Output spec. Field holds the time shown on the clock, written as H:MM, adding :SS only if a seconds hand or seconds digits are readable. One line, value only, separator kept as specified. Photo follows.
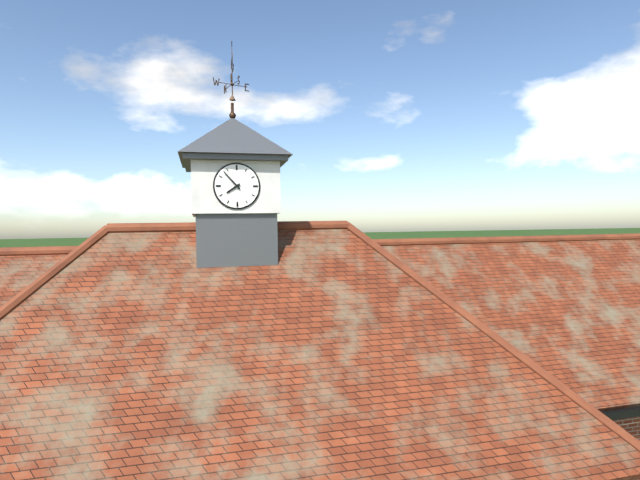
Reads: 7:53
